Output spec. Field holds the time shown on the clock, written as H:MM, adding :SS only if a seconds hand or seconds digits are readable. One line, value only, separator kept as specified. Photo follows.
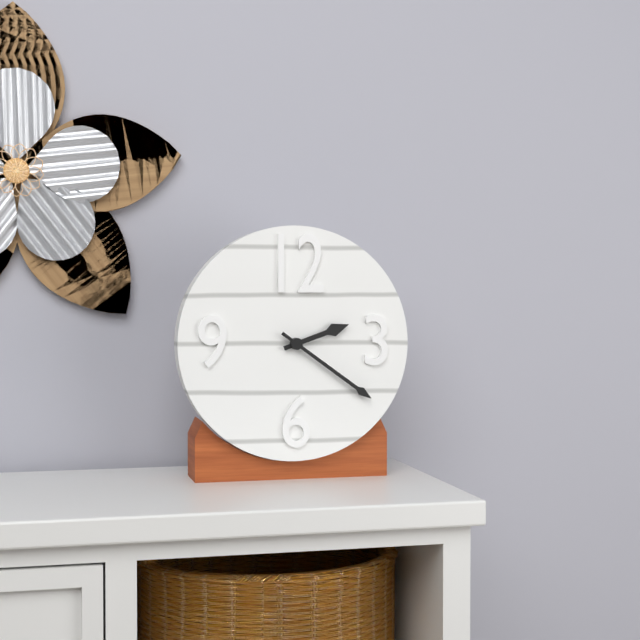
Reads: 2:21
